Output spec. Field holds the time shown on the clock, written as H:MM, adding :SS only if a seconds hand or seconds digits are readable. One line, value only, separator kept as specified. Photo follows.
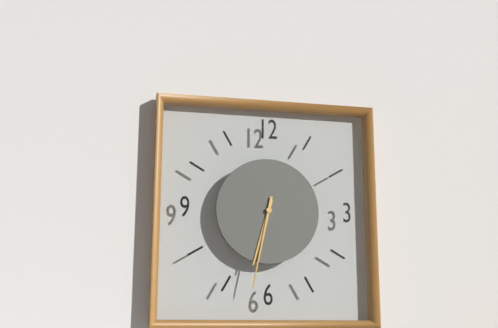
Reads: 6:32
